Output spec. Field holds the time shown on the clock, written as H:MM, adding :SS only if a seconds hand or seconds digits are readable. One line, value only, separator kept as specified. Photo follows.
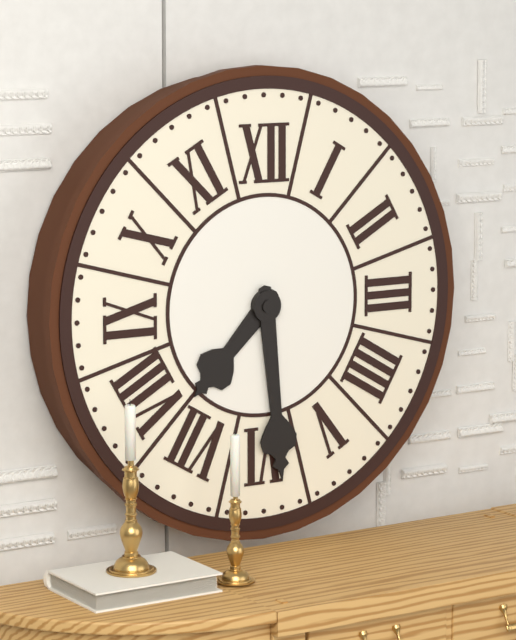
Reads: 7:29
